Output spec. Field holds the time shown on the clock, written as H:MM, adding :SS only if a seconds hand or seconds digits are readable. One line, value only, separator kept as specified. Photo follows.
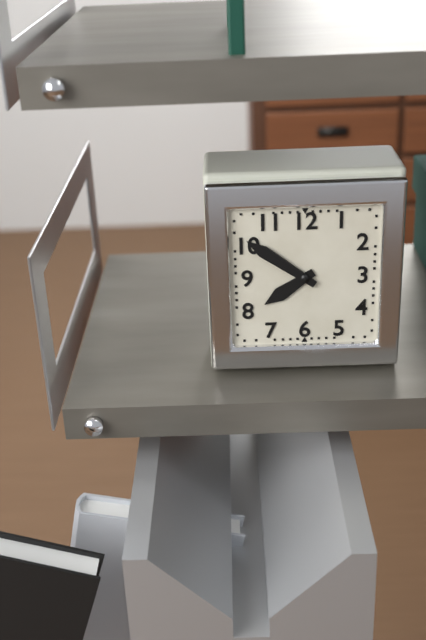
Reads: 7:51
